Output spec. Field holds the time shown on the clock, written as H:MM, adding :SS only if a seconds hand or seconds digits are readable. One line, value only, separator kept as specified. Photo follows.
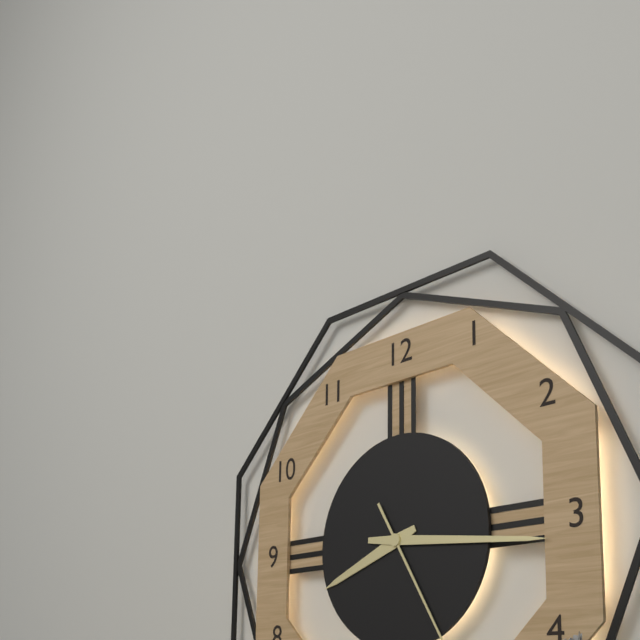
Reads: 8:16
